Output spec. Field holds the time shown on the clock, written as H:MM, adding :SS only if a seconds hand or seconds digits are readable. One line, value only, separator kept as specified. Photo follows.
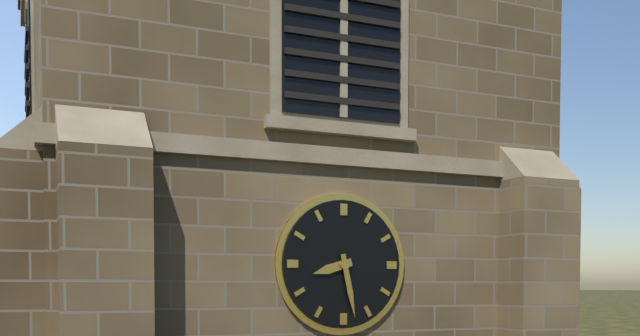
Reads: 8:28
